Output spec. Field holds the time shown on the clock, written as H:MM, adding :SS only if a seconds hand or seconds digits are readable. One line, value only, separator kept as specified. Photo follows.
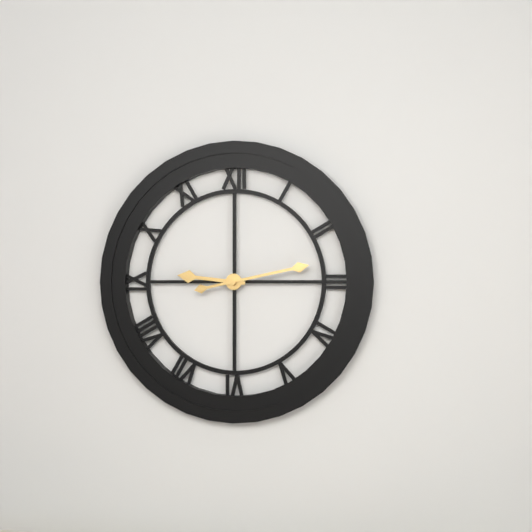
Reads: 9:13
